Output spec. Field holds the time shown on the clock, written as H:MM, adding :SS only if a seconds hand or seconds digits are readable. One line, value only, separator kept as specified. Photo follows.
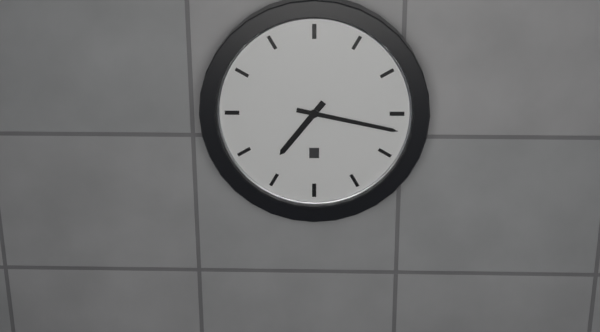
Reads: 7:17
